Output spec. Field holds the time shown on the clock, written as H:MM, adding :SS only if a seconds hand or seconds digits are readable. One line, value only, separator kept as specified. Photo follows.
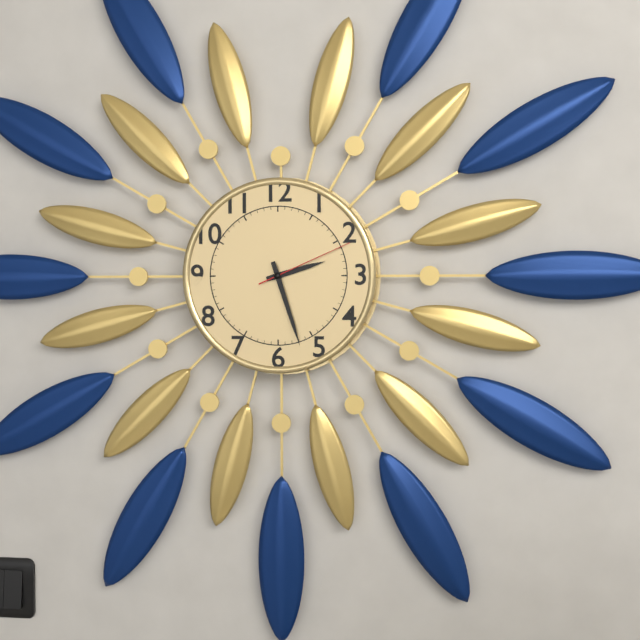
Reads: 2:27:11
